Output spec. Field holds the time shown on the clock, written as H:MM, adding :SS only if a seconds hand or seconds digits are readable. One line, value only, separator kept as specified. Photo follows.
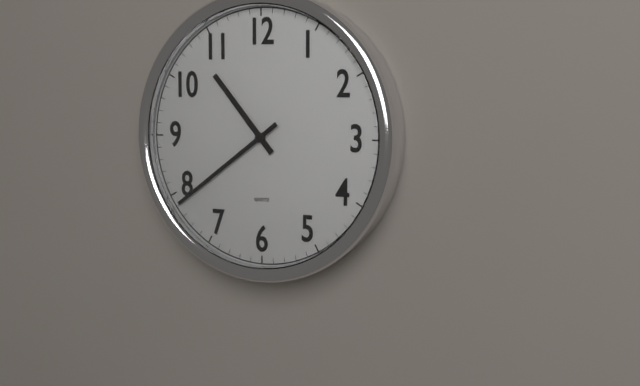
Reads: 10:39
